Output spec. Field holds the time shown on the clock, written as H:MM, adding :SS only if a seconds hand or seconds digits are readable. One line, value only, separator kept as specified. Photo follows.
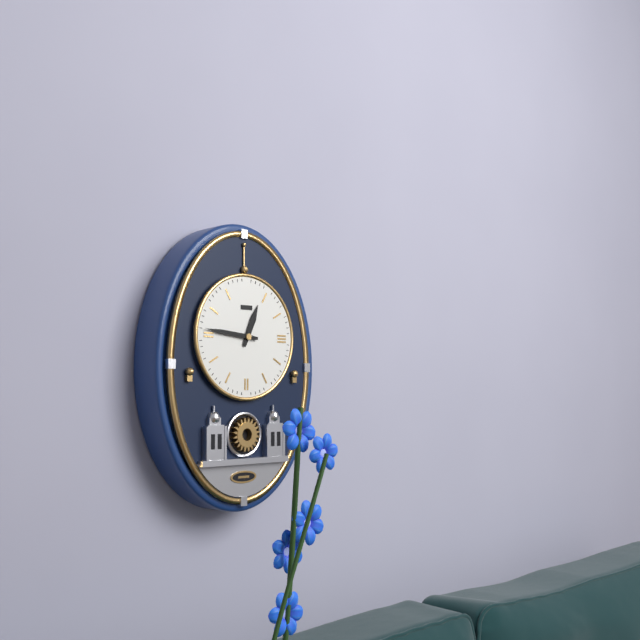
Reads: 12:46
